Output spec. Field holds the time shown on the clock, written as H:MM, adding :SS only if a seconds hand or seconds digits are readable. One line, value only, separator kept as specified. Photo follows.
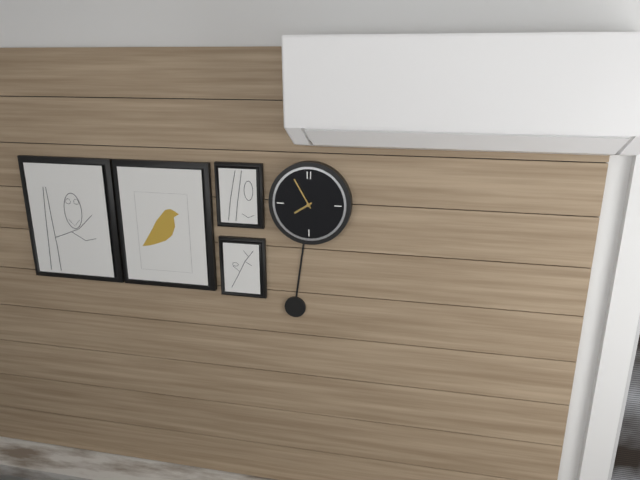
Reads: 7:55
